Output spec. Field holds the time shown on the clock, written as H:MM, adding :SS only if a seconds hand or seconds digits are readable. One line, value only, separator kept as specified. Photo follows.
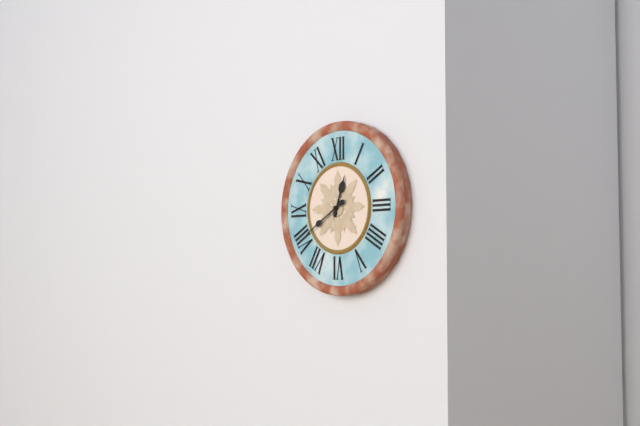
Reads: 12:40
